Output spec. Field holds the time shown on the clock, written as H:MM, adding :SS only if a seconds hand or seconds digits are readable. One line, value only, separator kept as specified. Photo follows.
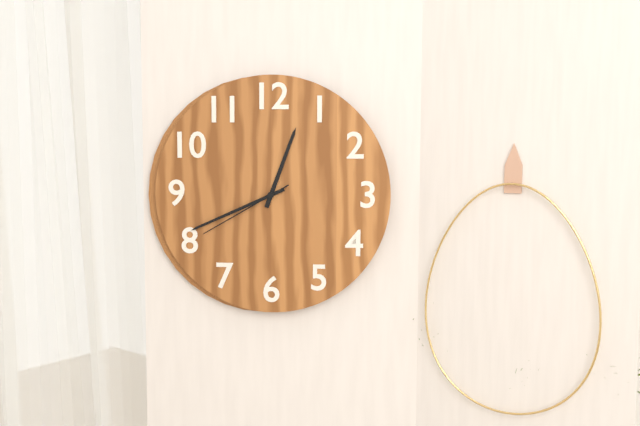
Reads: 12:41:40
